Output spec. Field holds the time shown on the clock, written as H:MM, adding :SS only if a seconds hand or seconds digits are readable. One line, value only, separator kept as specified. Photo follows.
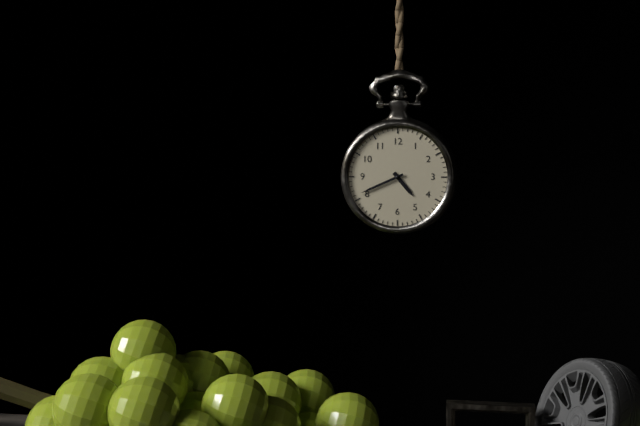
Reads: 4:41
